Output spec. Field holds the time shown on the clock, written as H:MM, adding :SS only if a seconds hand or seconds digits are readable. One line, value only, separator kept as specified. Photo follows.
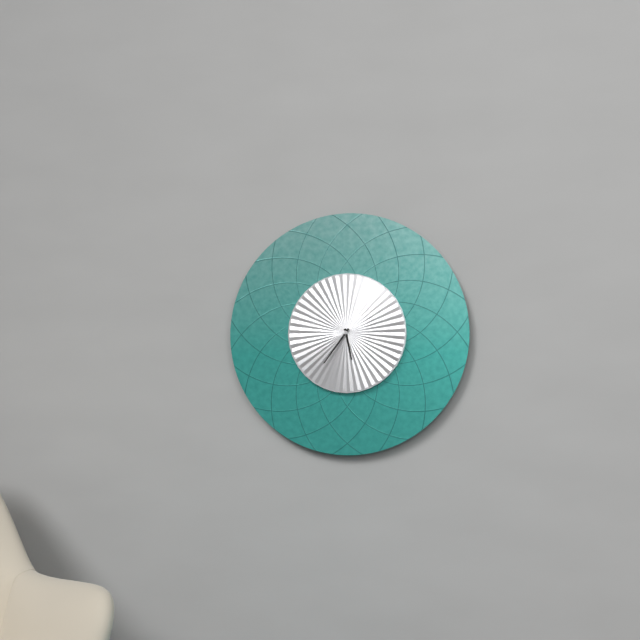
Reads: 5:36
